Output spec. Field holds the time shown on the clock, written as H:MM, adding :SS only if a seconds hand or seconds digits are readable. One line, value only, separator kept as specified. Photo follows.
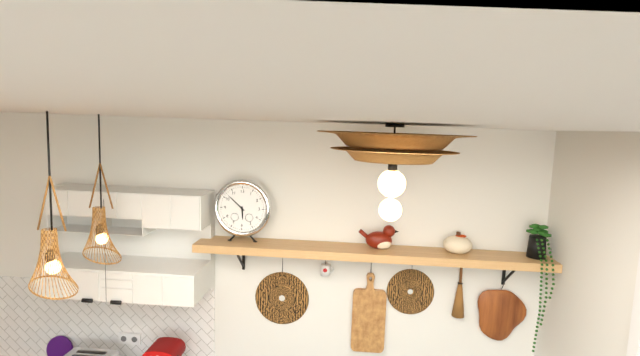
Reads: 5:52
